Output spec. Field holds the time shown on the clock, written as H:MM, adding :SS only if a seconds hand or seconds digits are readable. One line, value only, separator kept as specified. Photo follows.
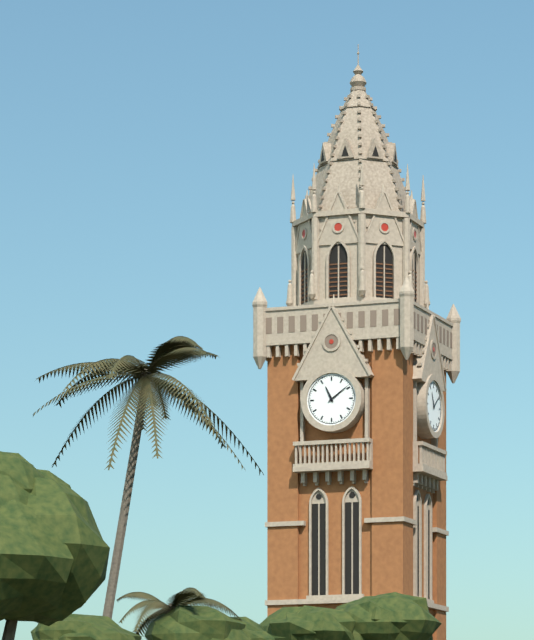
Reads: 11:09
